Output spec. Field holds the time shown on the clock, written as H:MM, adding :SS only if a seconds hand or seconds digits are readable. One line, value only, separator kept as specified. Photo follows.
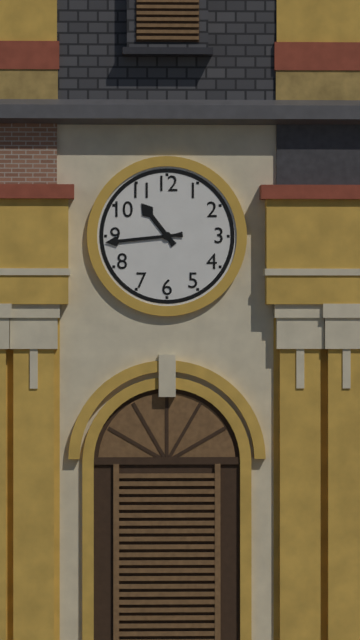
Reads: 10:44
